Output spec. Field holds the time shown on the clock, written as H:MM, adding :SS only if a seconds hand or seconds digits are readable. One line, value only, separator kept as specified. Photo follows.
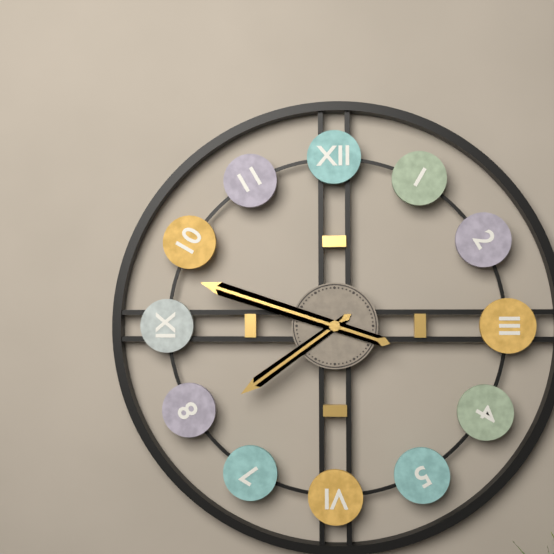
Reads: 7:48
